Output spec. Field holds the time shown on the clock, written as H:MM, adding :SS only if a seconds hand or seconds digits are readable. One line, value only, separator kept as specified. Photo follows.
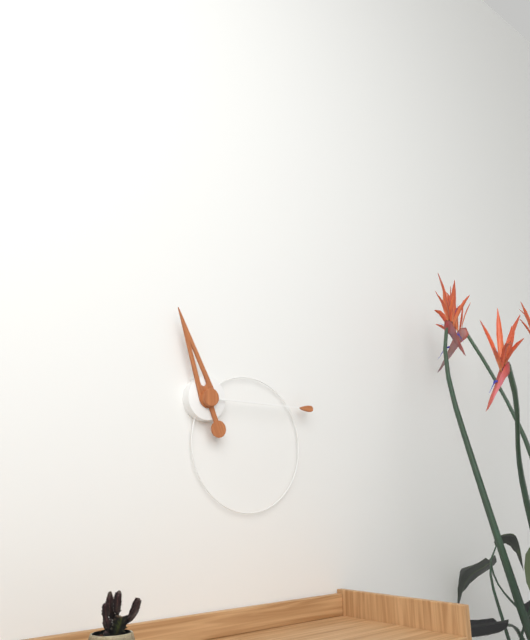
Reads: 11:15
